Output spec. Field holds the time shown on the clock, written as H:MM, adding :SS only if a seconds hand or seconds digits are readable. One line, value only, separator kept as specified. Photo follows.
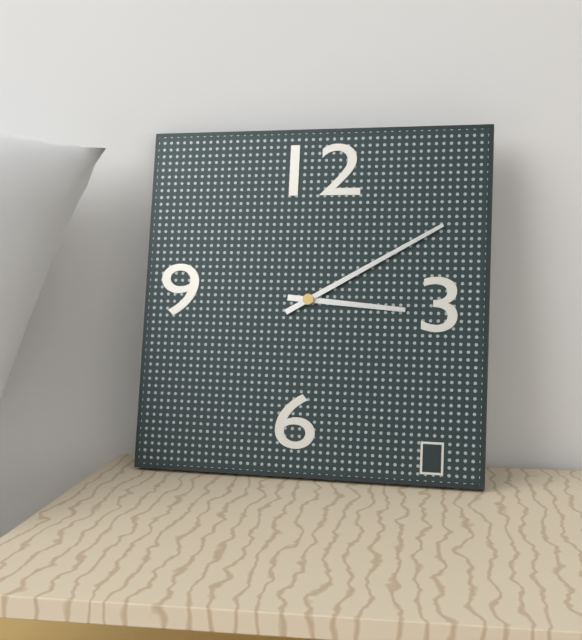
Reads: 3:10
